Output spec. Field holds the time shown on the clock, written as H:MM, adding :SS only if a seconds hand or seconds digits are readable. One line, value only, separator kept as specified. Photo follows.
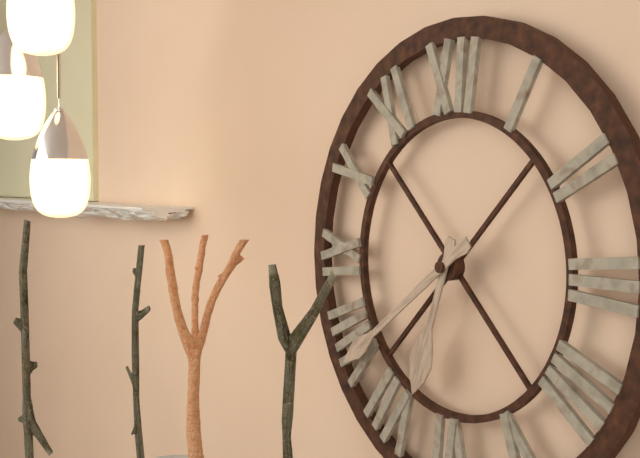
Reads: 6:39
